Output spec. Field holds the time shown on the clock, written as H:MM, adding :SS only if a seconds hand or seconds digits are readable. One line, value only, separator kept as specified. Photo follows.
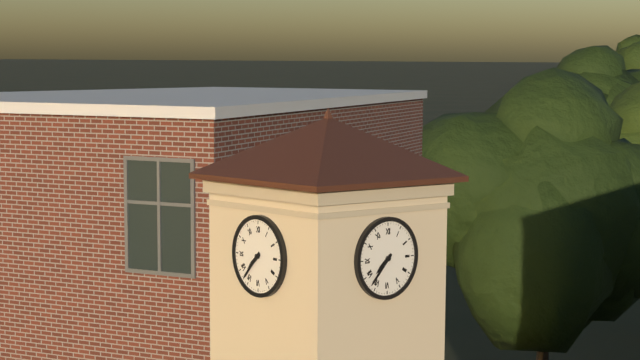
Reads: 7:37
